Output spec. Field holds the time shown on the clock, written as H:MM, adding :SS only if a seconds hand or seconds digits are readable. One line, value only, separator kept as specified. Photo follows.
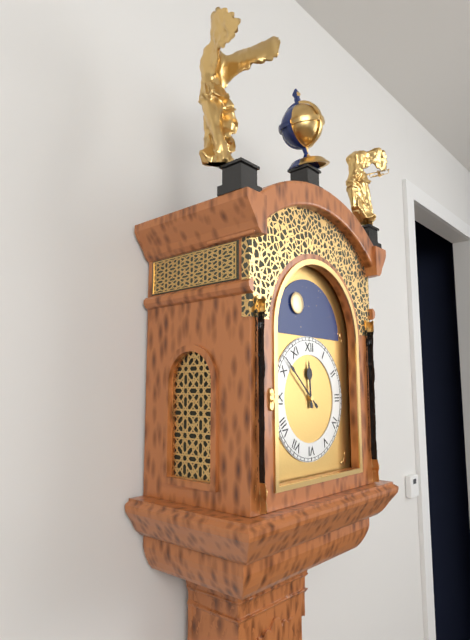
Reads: 11:52
